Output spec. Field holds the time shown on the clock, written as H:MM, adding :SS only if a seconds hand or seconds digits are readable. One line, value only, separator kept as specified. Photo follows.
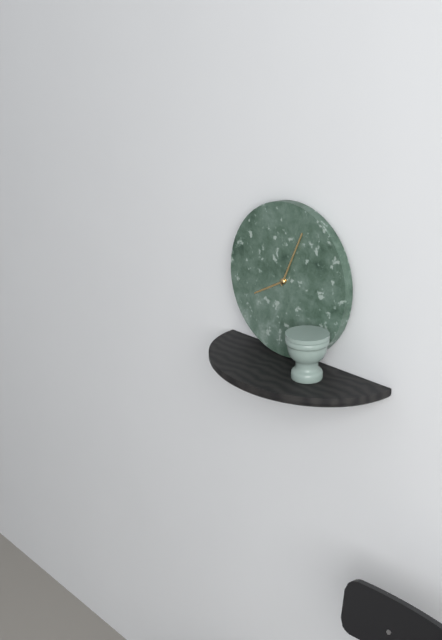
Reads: 8:04
